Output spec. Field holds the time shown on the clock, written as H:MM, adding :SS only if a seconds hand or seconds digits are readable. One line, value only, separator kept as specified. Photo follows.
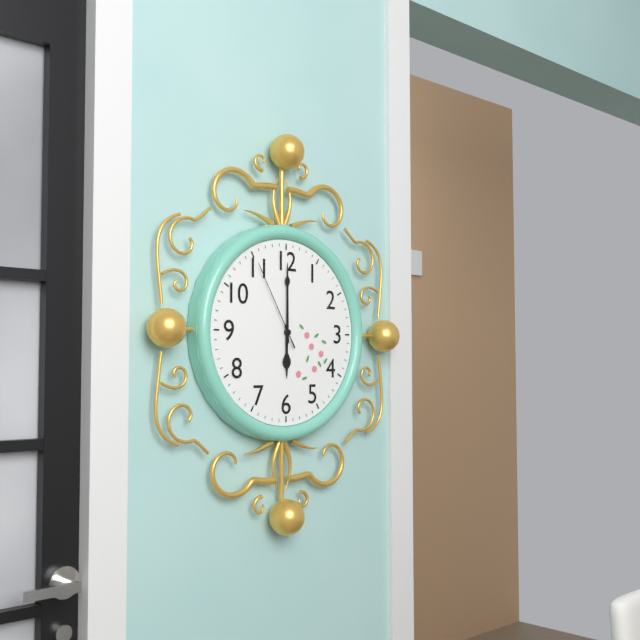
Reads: 6:00:55
